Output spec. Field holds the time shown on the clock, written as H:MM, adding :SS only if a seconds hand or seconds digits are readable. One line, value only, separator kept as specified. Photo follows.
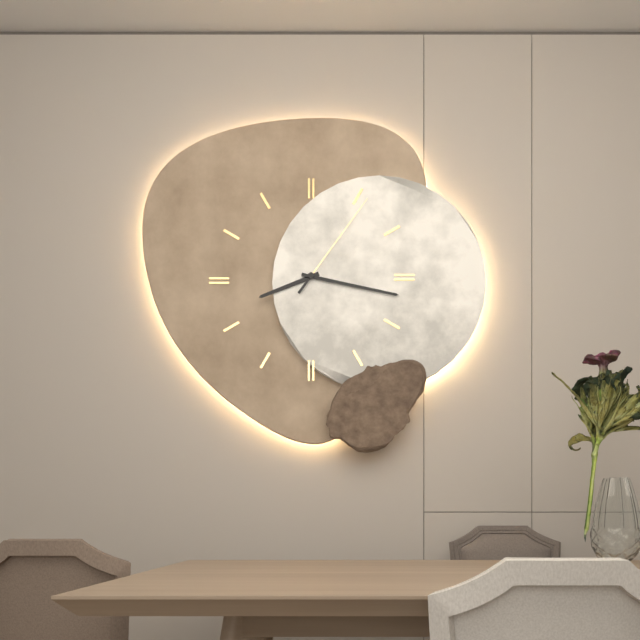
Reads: 8:17:06
